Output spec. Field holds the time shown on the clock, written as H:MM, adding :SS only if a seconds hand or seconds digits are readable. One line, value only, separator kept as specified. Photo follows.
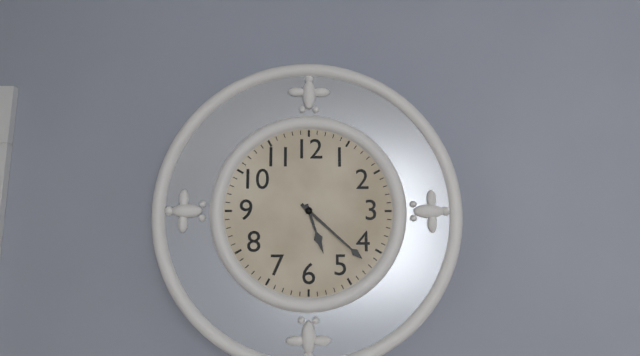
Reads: 5:22
